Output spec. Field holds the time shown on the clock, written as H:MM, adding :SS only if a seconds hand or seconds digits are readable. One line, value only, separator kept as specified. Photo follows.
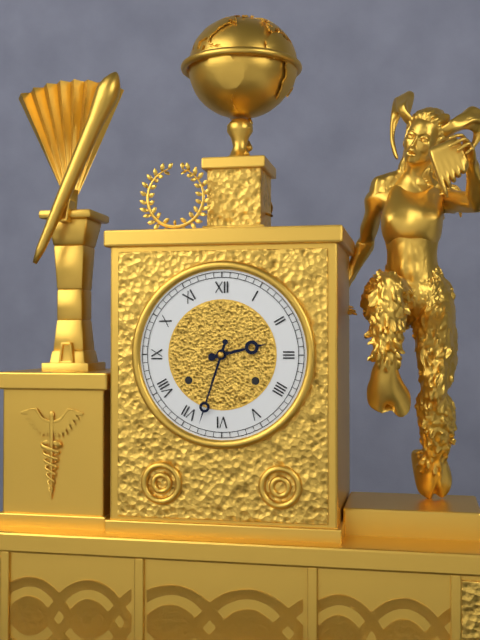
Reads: 2:33
